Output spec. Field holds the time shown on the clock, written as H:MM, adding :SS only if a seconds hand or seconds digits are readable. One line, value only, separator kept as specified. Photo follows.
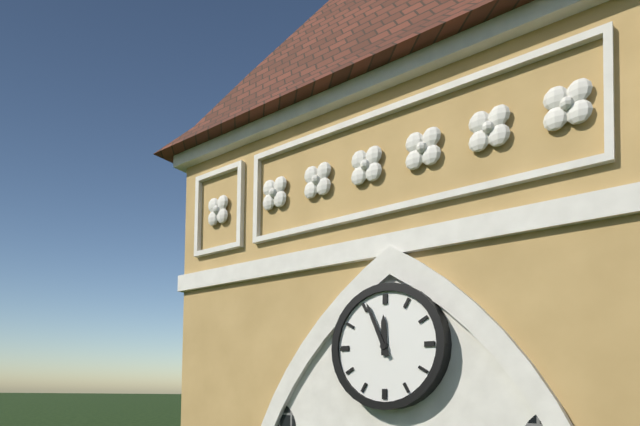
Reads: 11:56
